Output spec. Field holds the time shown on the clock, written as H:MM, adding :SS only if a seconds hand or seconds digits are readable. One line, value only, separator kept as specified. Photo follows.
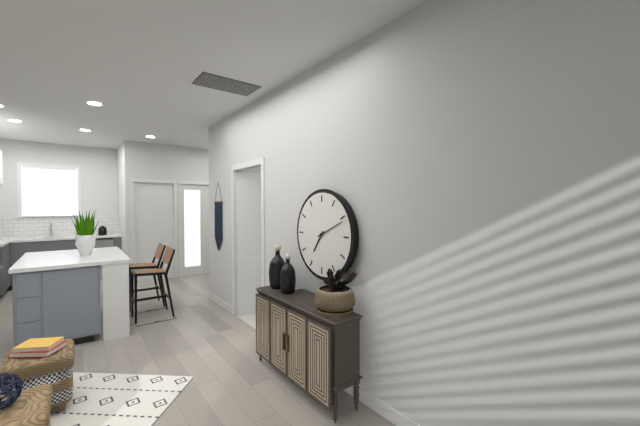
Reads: 7:11
